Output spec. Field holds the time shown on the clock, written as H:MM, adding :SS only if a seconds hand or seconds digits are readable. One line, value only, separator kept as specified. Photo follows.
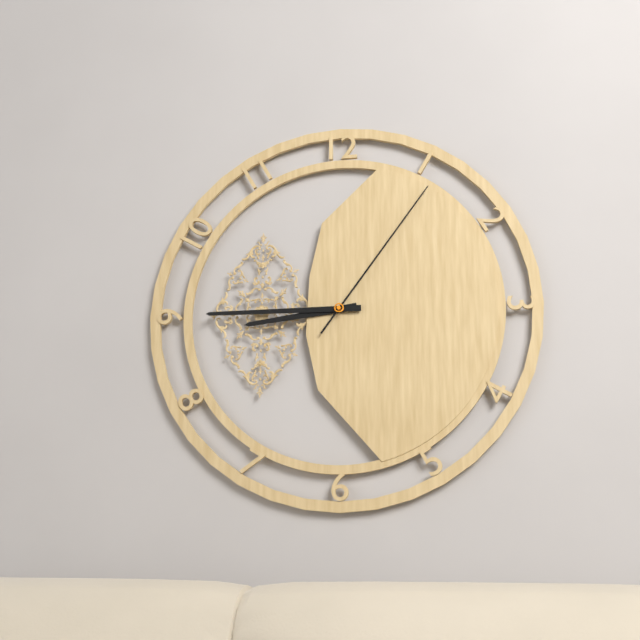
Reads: 8:45:06
